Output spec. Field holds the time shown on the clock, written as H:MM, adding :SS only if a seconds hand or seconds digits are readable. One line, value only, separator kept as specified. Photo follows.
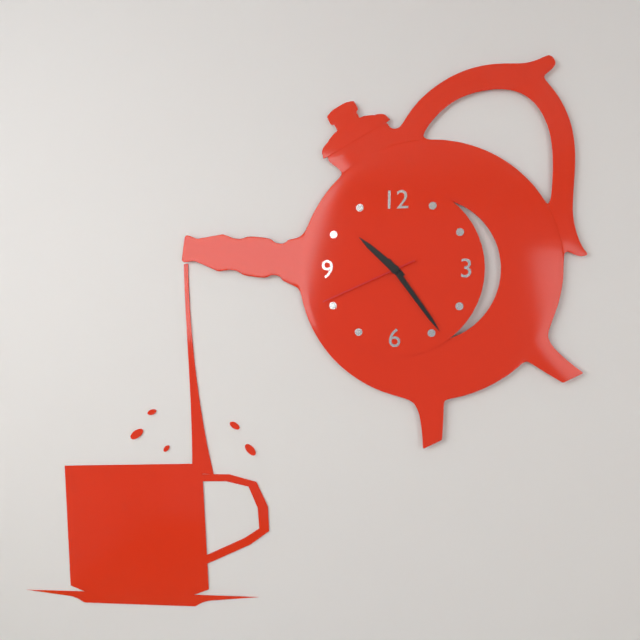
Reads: 10:24:41
